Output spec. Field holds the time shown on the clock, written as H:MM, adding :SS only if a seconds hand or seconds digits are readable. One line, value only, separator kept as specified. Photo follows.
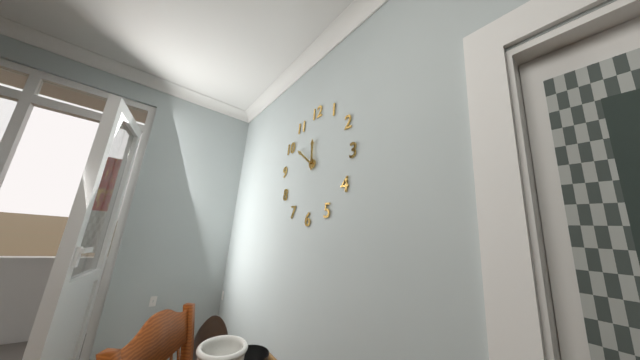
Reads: 11:51
